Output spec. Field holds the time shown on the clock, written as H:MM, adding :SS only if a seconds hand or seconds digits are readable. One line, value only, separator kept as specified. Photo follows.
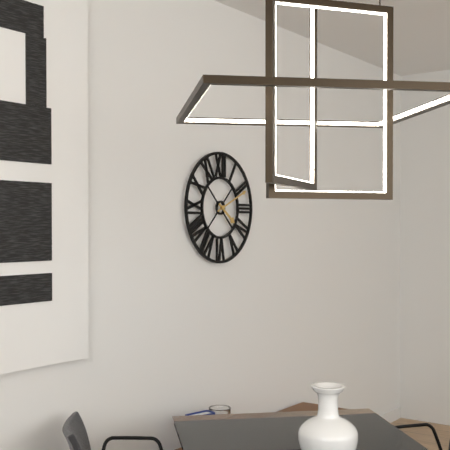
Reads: 4:11
